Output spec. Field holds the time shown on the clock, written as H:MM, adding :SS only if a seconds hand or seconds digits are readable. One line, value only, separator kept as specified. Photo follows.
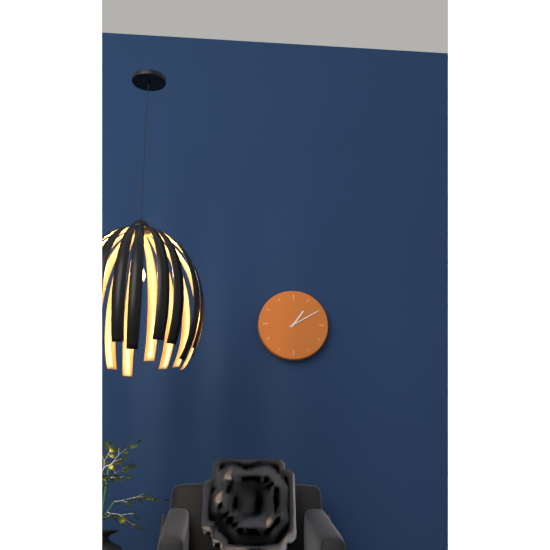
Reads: 1:10
